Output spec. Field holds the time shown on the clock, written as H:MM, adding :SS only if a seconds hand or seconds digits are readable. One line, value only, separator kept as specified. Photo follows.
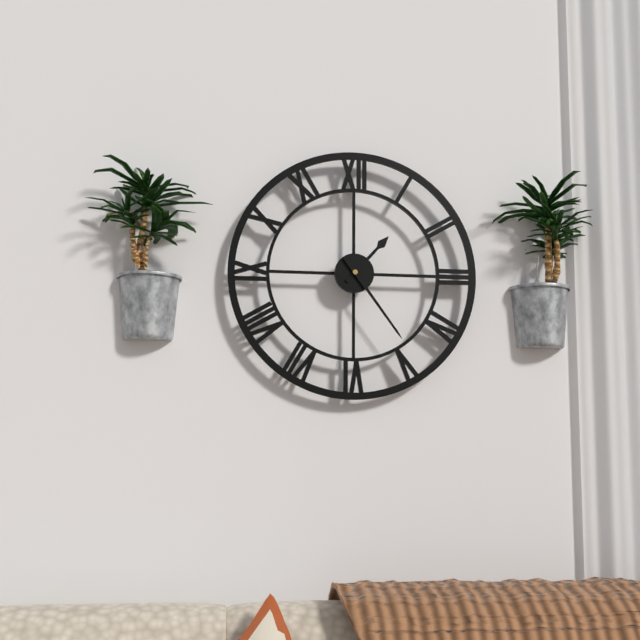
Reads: 1:24
